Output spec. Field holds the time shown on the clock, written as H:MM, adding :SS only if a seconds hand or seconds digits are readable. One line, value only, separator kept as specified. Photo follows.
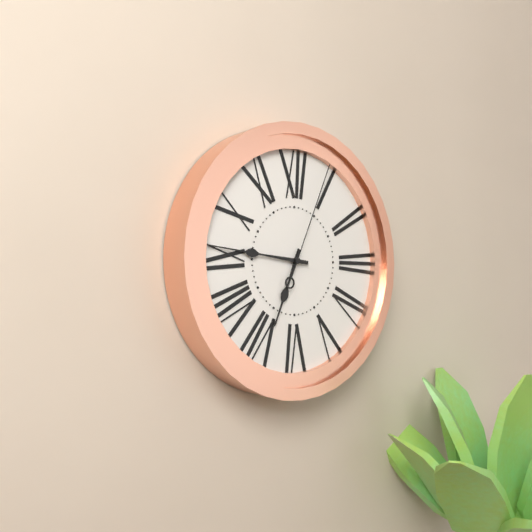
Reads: 6:46:04
